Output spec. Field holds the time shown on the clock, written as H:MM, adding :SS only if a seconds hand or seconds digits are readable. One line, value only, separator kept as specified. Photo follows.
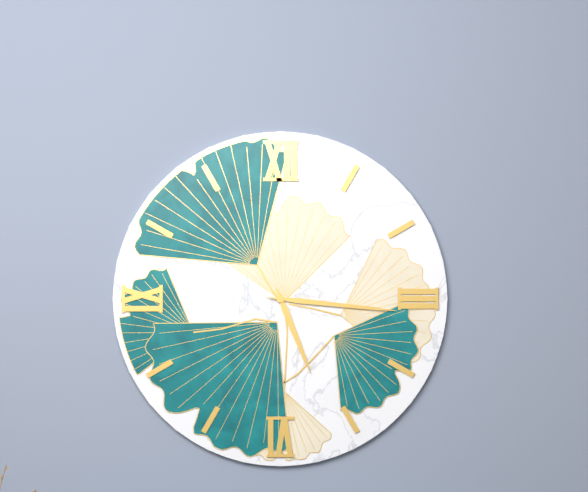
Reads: 5:16
